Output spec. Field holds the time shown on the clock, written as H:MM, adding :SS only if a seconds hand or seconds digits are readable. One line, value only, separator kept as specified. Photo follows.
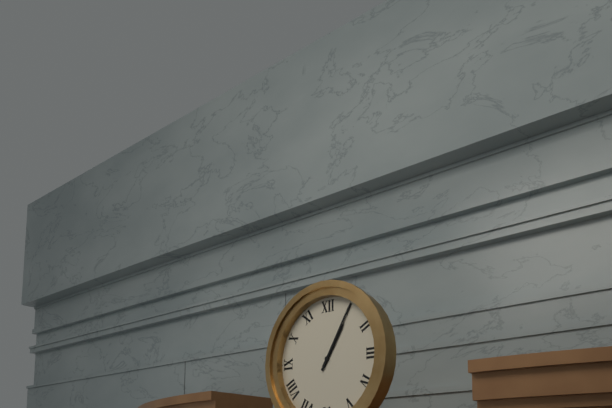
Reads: 1:05
